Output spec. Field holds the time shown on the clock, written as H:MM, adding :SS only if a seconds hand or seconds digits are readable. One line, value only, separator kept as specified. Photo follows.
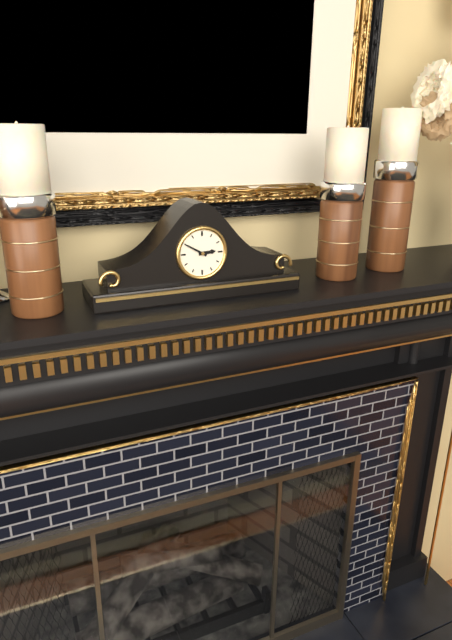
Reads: 2:50
